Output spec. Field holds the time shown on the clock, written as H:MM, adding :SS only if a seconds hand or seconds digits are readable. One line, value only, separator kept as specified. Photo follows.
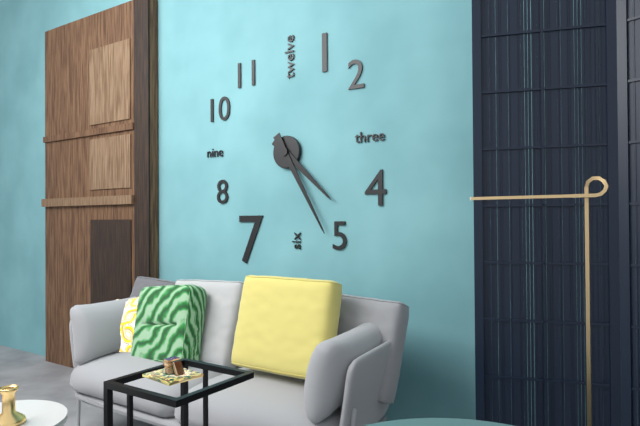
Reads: 4:25
